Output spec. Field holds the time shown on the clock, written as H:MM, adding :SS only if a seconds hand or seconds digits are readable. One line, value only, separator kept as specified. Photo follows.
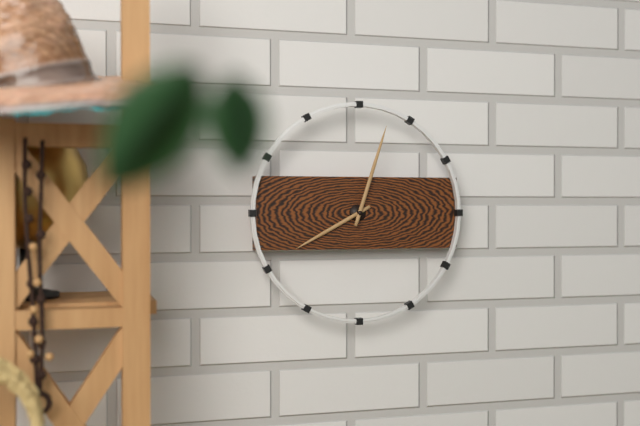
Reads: 8:03
